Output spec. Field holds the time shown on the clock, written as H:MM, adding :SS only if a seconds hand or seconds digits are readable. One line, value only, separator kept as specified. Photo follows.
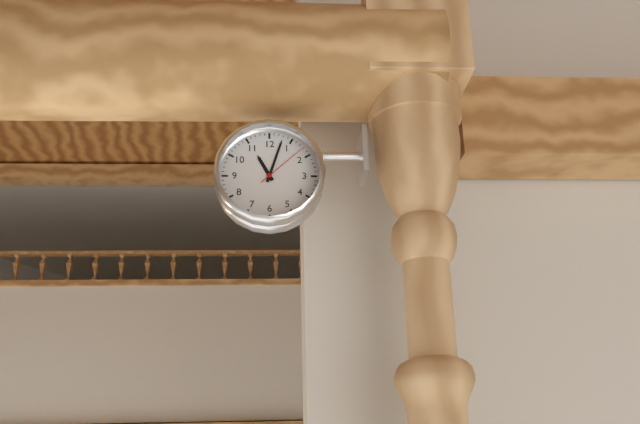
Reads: 11:03:08
